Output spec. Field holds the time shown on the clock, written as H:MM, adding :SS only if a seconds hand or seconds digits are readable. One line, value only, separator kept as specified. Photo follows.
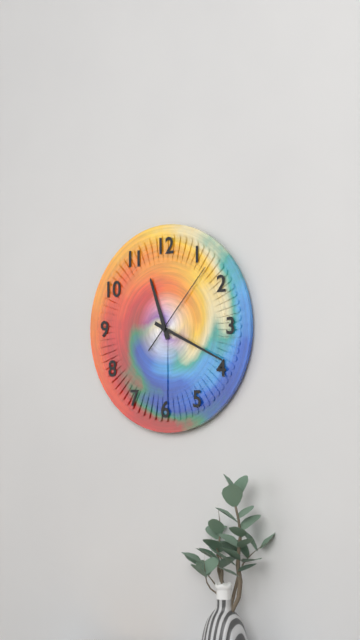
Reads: 11:19:07
